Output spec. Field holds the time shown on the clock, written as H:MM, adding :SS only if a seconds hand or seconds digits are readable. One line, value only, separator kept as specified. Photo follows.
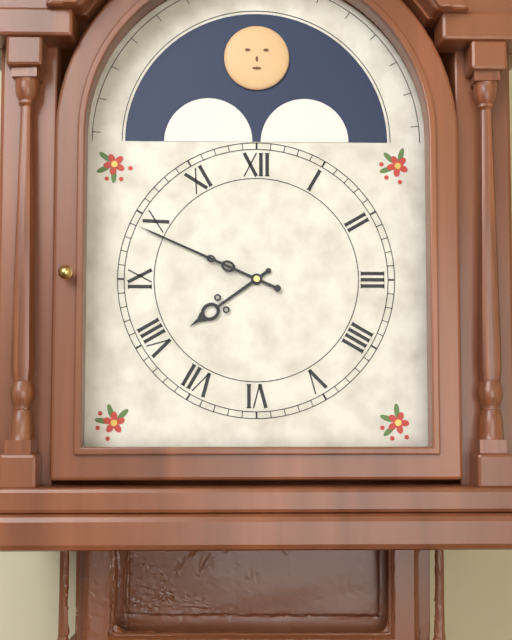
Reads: 7:49
